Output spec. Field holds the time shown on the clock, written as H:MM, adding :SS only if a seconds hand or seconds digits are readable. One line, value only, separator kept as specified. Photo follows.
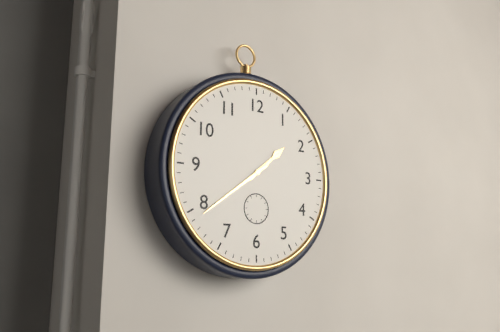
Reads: 1:39
